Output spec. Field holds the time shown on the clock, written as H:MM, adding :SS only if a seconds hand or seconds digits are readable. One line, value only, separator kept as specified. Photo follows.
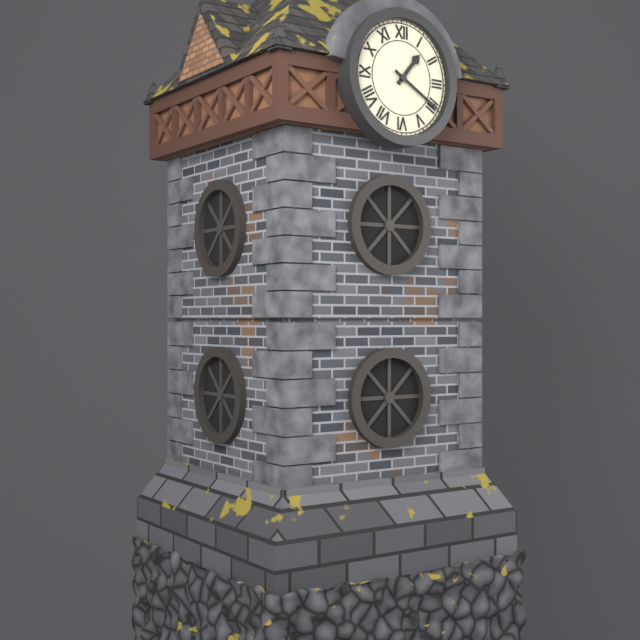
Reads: 1:20
